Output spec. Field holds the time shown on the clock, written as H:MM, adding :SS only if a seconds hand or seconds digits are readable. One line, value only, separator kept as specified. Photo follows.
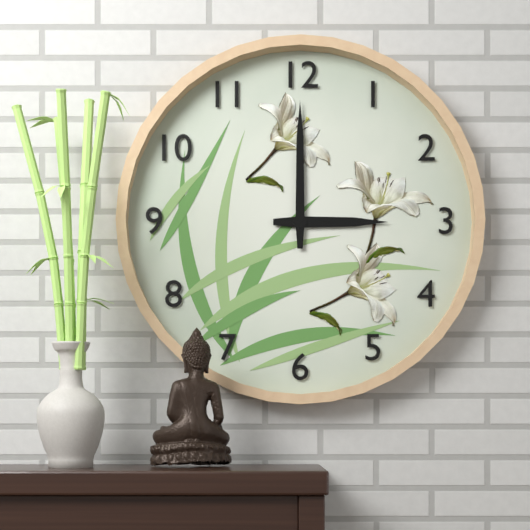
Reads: 3:00
